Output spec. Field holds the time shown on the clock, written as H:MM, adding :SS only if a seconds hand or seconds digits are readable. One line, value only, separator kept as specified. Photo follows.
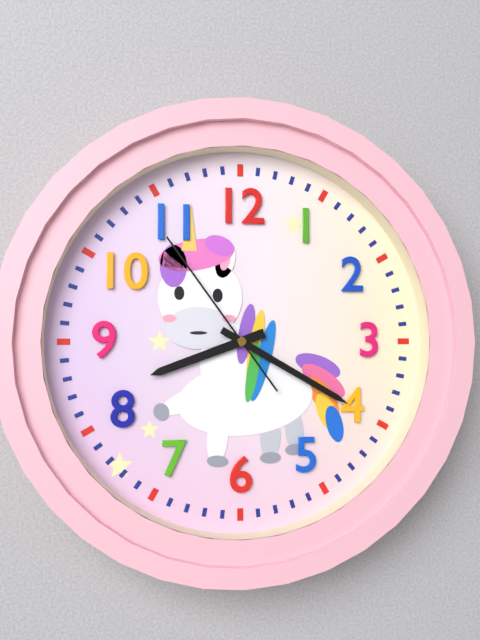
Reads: 8:20:54
